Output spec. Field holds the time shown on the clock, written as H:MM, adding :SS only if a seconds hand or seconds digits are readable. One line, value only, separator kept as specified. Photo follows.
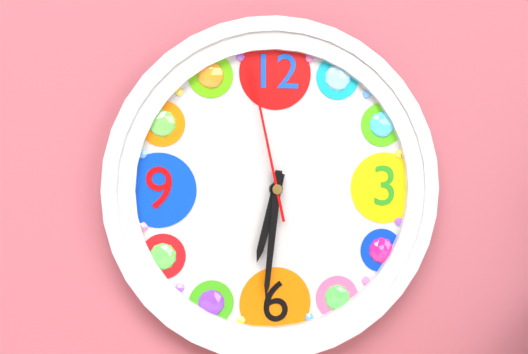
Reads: 6:31:58
